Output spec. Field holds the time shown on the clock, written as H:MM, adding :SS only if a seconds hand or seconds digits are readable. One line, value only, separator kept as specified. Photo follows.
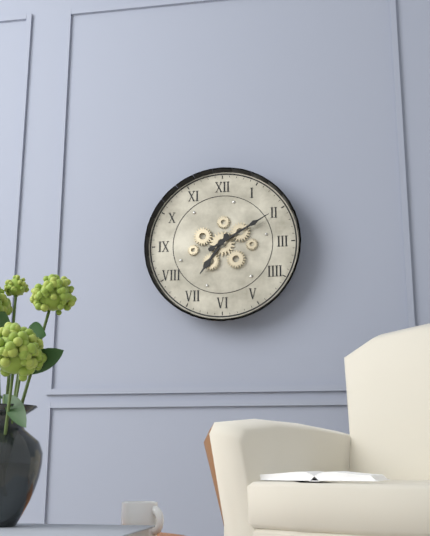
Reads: 7:10
